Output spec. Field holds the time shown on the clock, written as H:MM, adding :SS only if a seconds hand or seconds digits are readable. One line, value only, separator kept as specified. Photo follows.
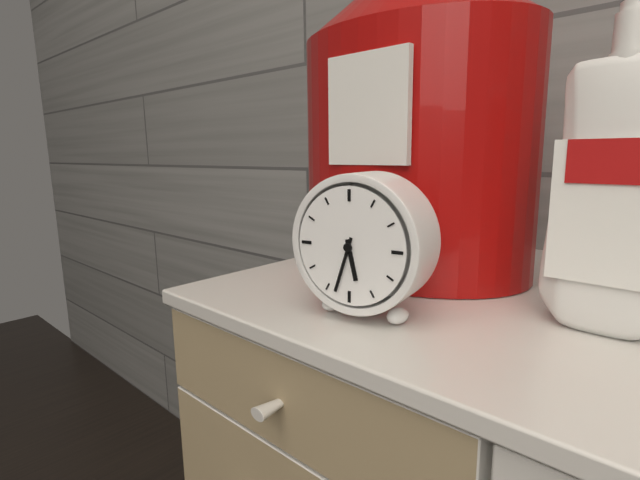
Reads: 5:33
